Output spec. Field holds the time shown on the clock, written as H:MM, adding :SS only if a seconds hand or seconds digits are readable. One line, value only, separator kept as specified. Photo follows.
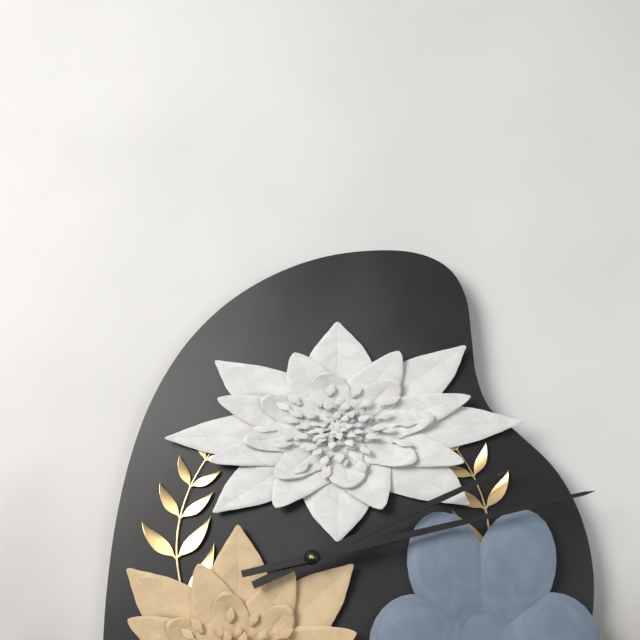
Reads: 2:13
